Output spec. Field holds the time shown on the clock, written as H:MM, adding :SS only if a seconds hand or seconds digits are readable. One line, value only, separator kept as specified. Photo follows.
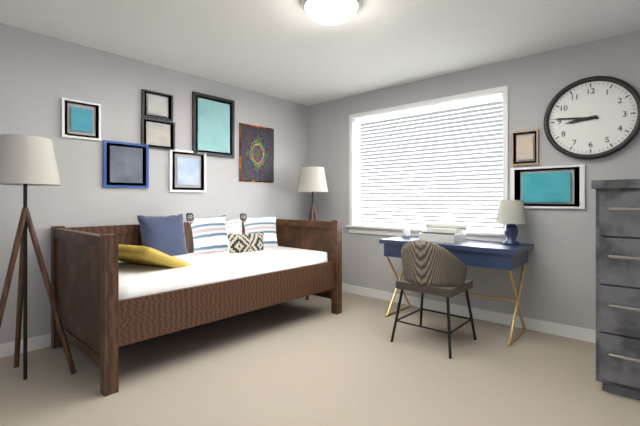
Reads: 8:46
